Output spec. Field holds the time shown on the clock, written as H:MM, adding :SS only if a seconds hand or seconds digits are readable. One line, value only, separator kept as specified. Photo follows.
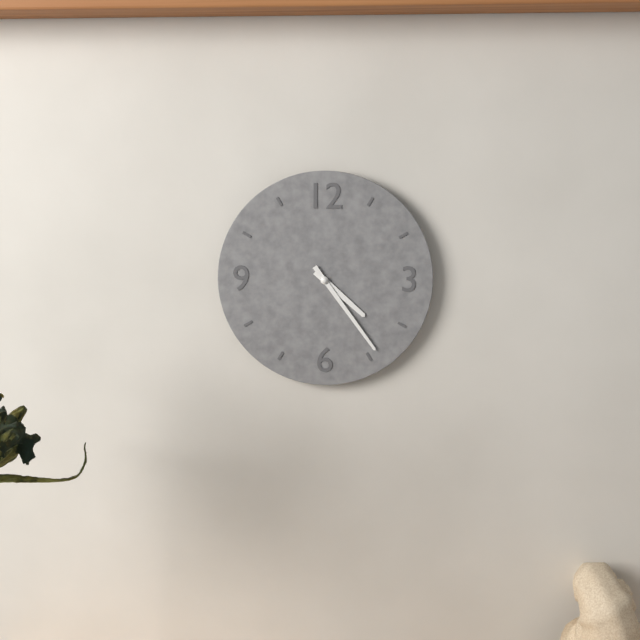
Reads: 4:24
